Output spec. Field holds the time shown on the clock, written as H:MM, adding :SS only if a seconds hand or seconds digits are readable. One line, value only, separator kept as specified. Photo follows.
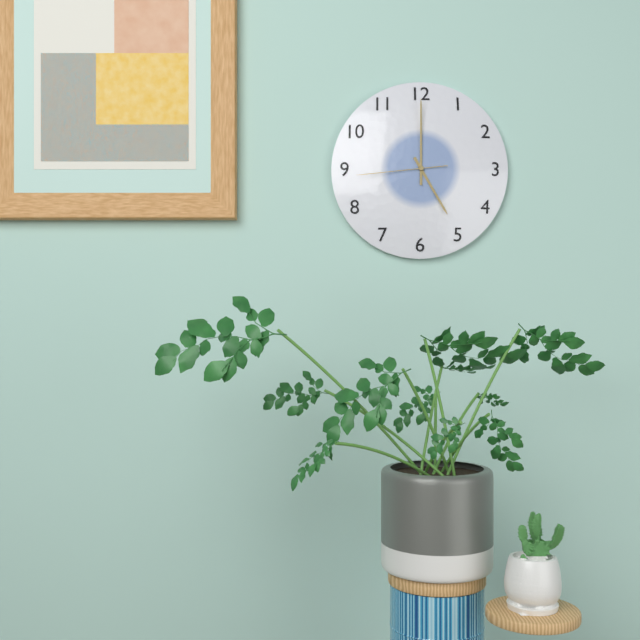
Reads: 5:00:44
